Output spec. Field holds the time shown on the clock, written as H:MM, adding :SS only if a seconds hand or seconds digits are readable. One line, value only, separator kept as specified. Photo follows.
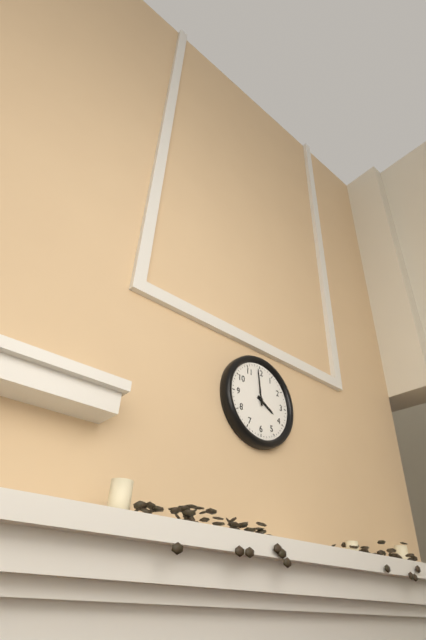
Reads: 3:59
